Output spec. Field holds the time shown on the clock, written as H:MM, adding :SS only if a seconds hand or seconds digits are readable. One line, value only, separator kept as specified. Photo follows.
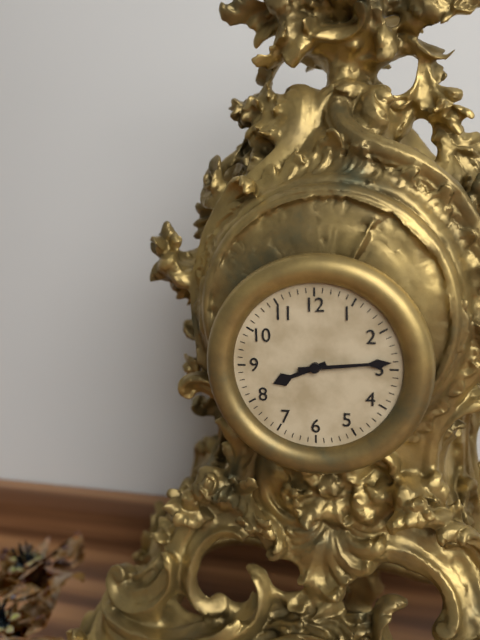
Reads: 8:14
